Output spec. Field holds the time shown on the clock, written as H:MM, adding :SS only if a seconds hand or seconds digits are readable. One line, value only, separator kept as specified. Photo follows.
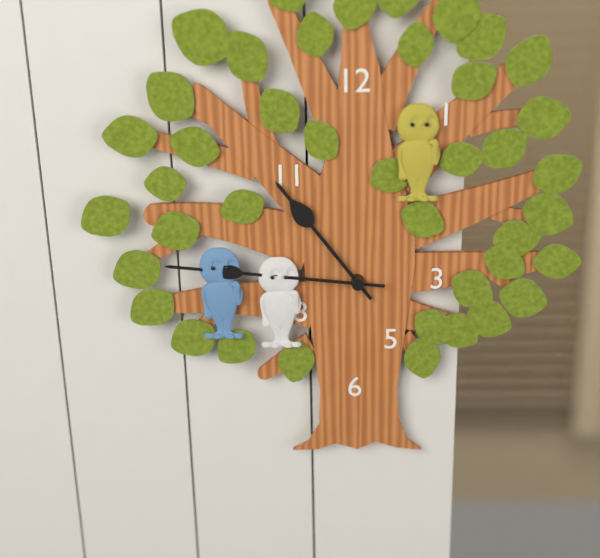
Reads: 10:46
